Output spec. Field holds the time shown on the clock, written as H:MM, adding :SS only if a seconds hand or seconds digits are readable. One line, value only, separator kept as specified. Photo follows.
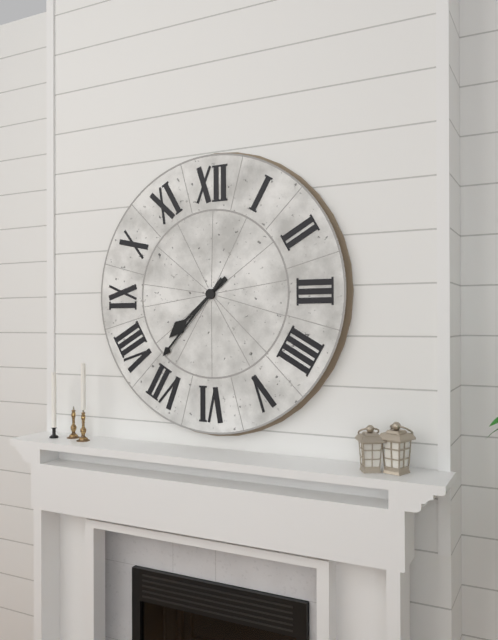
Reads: 7:37
